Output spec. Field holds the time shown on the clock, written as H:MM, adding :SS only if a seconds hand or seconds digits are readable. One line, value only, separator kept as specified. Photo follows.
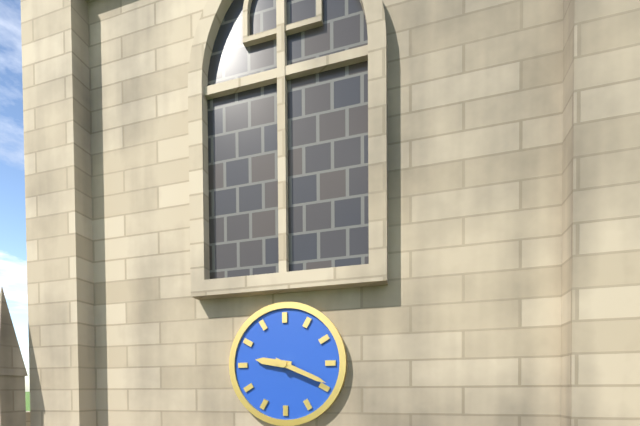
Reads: 9:19
